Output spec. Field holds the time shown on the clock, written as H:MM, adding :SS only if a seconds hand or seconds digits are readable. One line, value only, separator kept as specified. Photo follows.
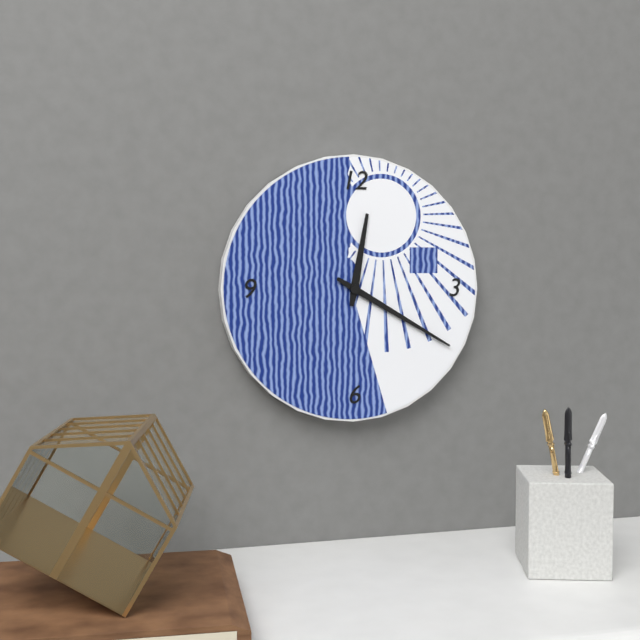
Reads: 12:20
